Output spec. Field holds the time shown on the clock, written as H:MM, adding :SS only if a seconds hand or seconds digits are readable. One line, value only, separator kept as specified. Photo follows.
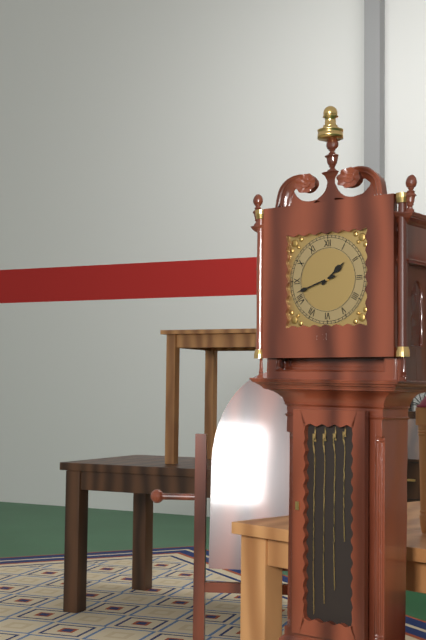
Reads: 1:42
